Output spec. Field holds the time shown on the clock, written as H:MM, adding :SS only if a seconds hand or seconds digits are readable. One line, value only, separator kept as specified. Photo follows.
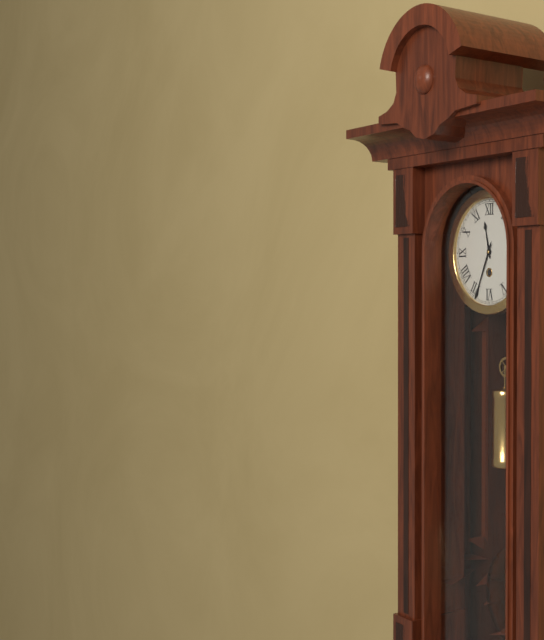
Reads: 11:34
